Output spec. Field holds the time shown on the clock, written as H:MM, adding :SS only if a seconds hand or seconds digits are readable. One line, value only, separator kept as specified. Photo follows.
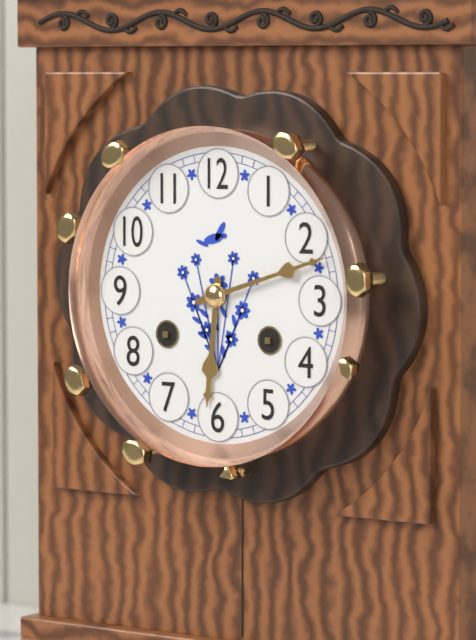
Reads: 6:12
